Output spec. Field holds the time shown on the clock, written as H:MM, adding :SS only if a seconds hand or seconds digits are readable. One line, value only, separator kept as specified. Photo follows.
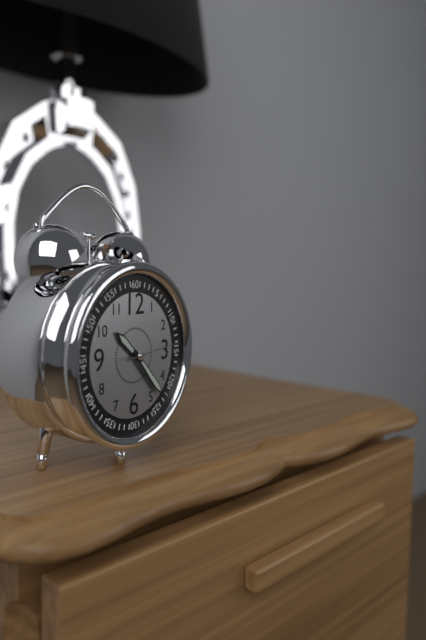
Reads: 10:23:14
